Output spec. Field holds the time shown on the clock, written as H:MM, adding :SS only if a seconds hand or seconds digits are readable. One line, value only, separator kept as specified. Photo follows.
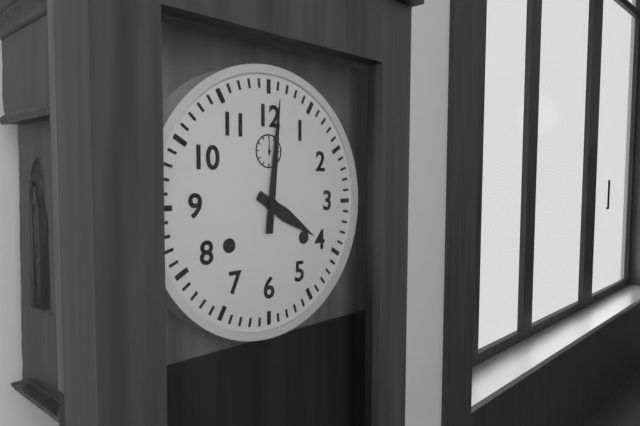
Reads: 4:01
